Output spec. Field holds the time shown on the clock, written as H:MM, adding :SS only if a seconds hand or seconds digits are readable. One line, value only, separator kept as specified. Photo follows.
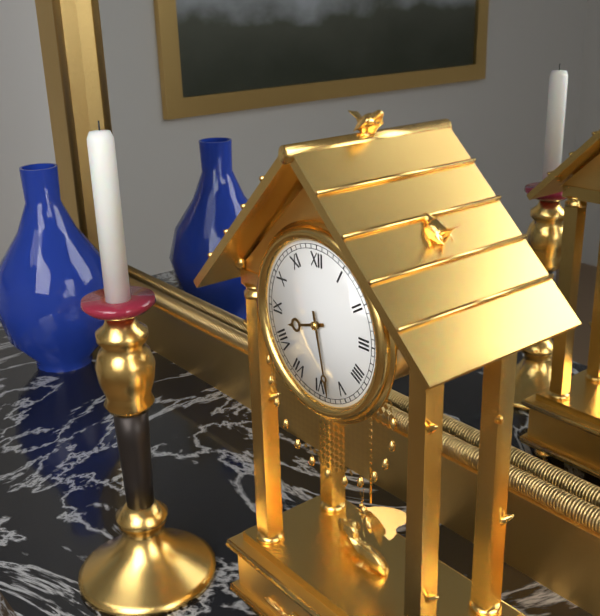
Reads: 8:28
